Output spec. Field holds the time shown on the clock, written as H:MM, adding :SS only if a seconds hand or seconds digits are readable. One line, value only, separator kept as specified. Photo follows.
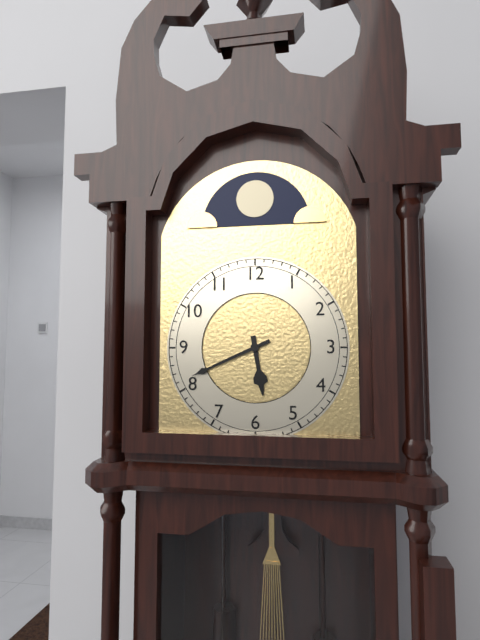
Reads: 5:41
